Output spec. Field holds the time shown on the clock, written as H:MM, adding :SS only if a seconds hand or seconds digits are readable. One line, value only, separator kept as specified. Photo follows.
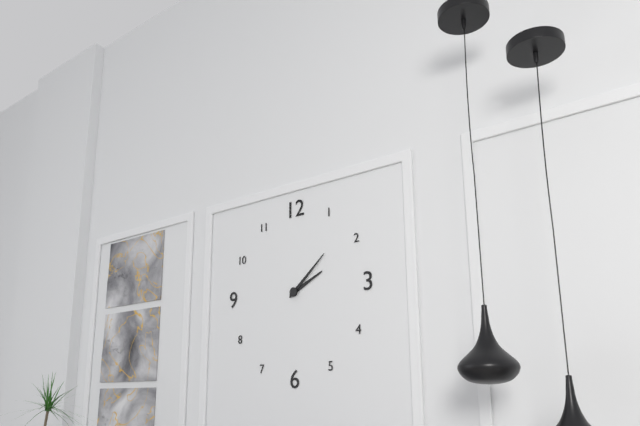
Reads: 2:08
